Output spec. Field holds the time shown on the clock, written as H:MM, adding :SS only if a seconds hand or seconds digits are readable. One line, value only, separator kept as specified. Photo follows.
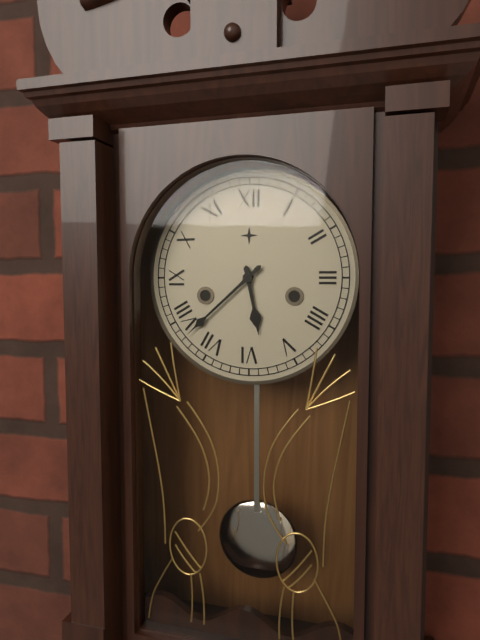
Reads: 5:38
